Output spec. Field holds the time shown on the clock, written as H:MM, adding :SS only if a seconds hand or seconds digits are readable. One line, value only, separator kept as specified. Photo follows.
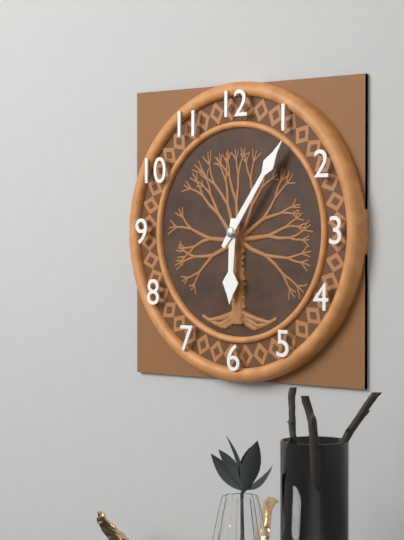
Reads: 6:06
